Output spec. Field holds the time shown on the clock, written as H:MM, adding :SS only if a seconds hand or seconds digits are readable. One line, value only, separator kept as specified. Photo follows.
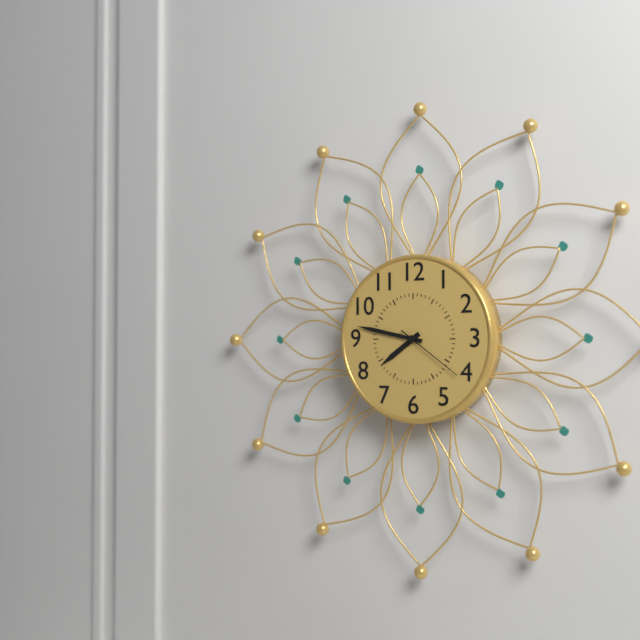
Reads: 7:47:21
